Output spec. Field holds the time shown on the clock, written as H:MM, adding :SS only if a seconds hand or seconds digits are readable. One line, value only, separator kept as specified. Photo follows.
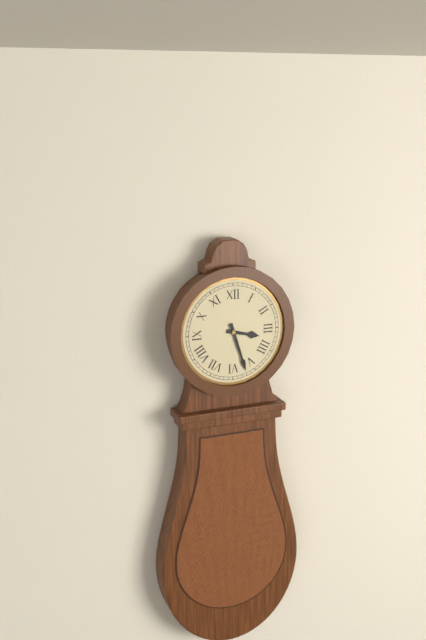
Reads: 3:27
